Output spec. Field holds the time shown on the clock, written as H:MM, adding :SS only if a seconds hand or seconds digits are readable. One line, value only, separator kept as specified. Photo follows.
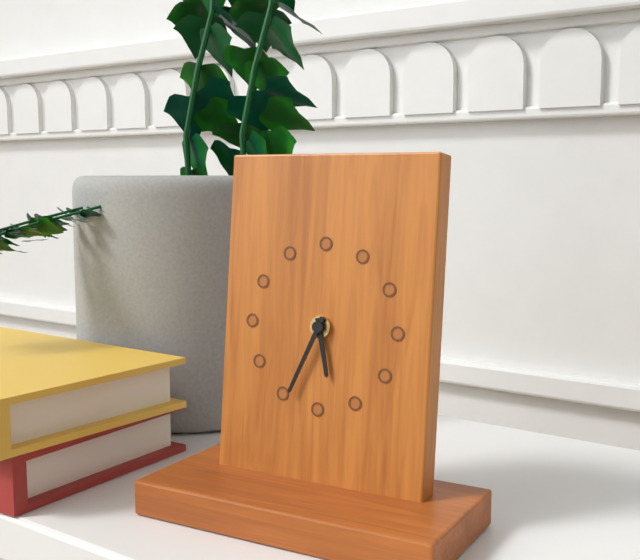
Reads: 5:34
